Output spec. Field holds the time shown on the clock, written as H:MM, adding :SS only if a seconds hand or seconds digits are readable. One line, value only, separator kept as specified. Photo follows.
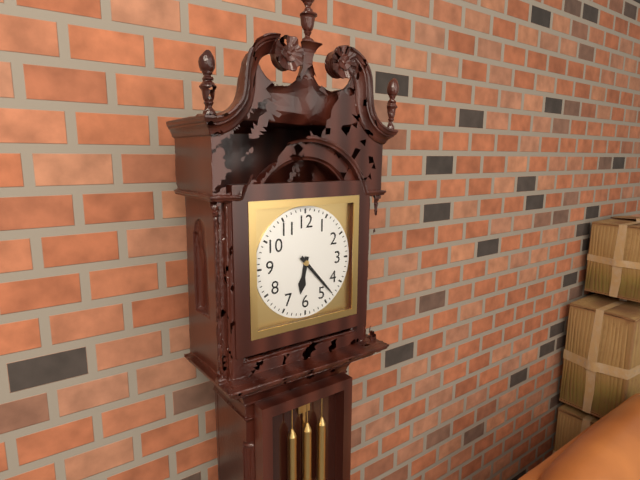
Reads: 6:23
